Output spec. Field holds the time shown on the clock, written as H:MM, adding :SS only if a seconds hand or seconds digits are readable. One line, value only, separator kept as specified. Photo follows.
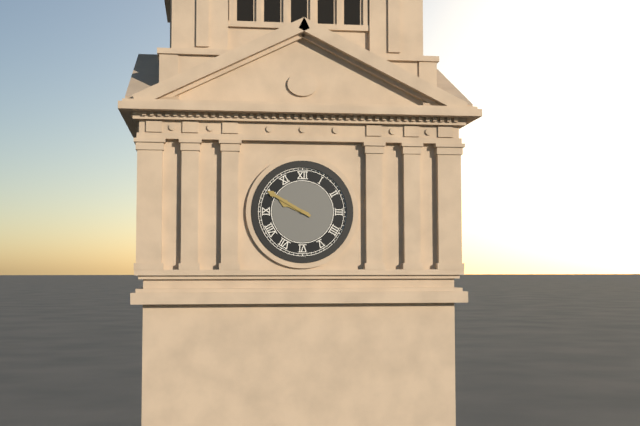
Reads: 9:50
